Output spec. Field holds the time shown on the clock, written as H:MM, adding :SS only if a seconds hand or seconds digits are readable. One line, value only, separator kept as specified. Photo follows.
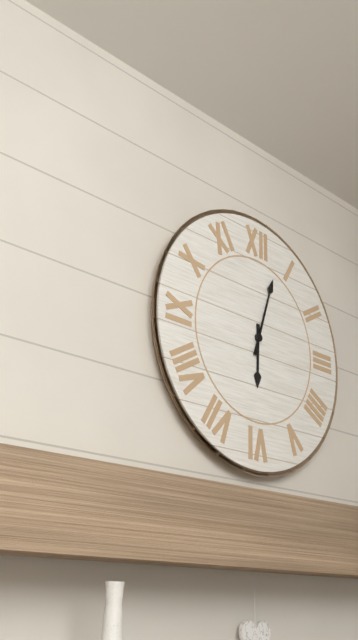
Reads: 6:03
